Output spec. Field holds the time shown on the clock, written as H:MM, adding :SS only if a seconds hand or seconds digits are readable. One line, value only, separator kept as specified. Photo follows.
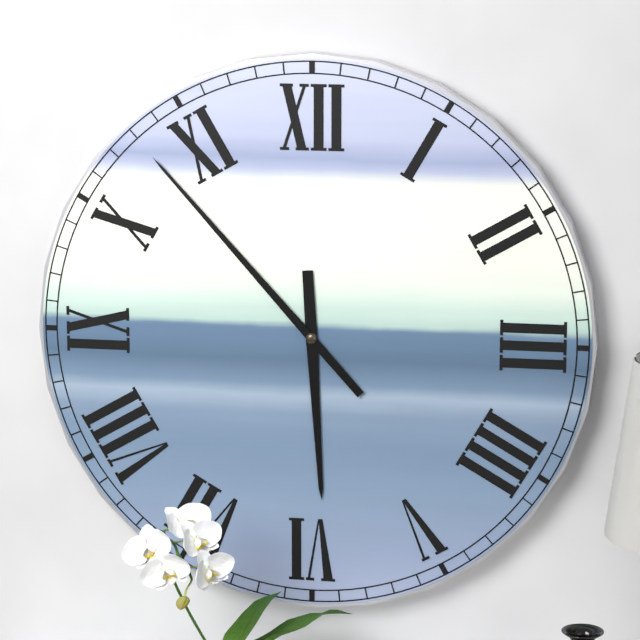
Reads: 5:53
